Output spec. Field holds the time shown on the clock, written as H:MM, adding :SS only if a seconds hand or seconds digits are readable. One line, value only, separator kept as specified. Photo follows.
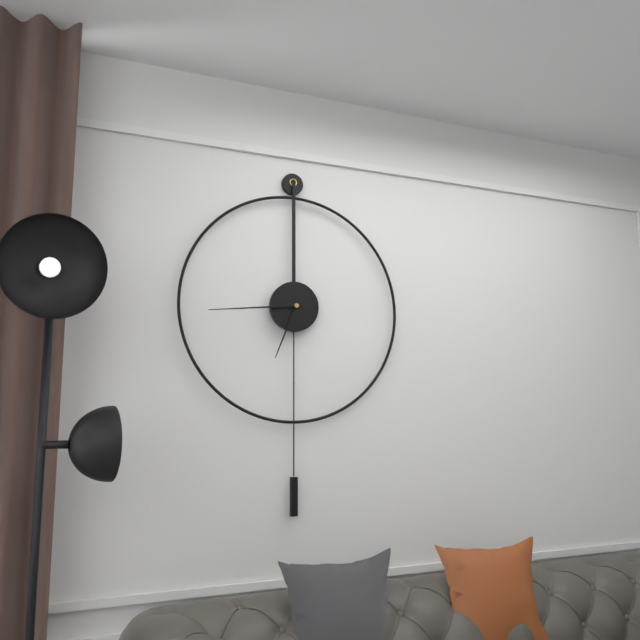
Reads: 6:44
